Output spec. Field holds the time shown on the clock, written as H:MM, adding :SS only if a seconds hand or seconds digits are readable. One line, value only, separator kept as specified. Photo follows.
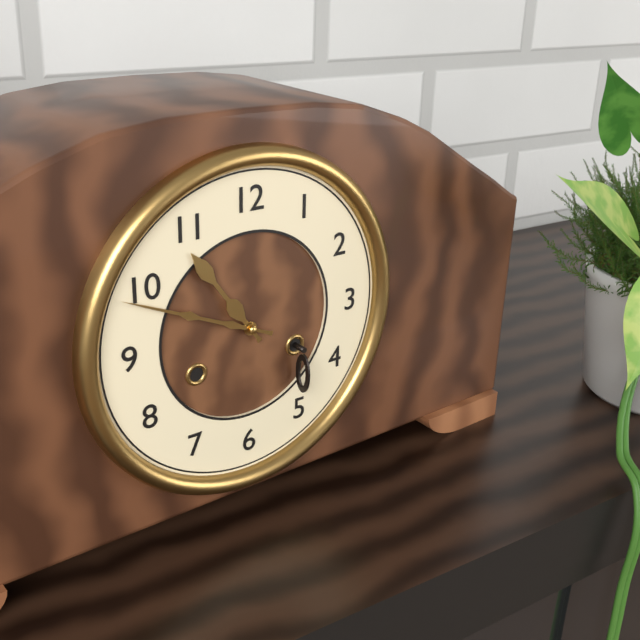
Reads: 10:49
